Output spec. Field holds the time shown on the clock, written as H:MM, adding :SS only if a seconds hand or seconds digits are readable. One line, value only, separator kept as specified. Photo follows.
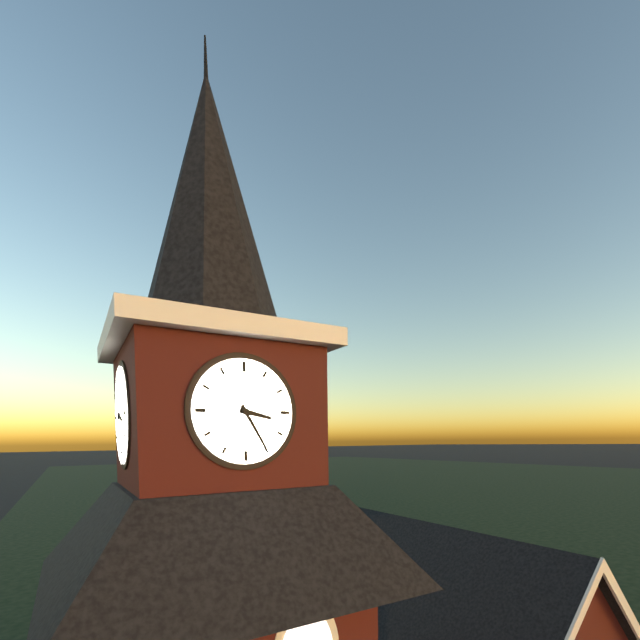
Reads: 3:25
